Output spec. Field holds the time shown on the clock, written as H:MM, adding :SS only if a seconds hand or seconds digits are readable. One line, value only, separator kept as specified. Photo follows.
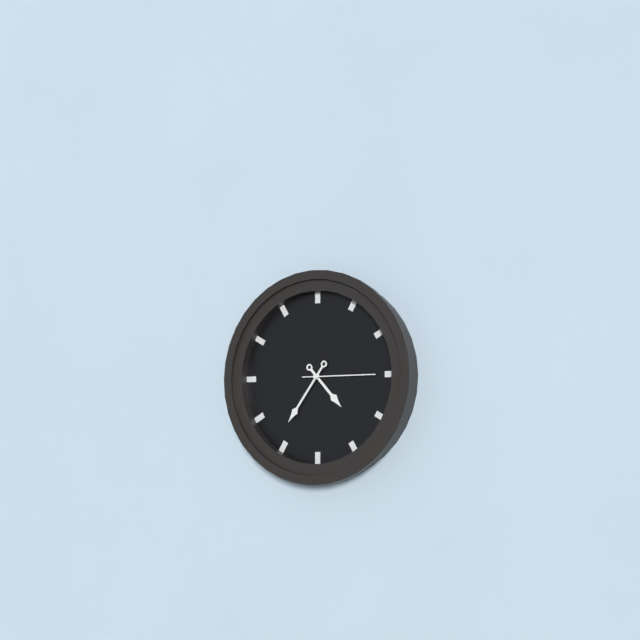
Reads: 4:36:15
